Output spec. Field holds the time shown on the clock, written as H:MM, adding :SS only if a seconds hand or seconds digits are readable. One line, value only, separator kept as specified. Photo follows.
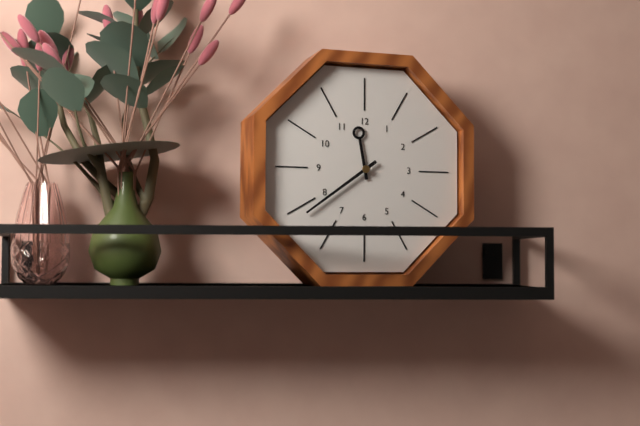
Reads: 11:39
